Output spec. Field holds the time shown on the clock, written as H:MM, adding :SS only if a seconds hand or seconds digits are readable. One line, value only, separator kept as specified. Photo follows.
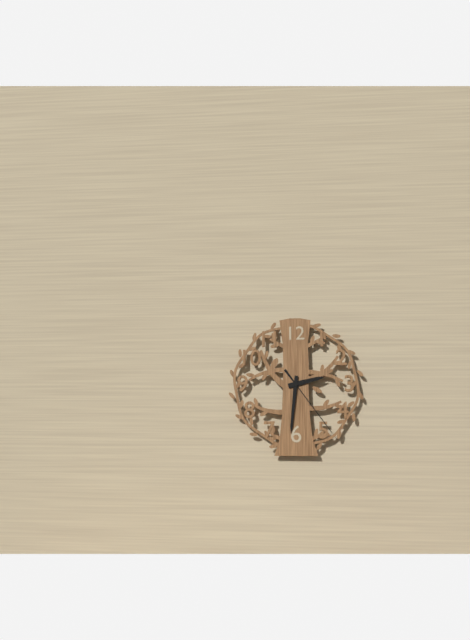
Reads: 2:31:24
